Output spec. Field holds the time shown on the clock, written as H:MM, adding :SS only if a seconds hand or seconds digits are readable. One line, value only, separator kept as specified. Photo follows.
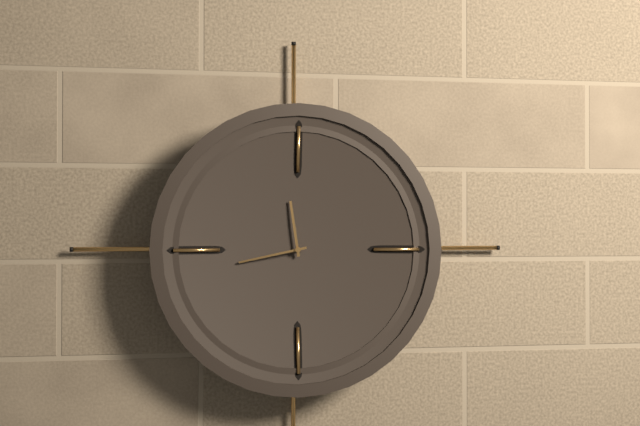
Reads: 11:43
